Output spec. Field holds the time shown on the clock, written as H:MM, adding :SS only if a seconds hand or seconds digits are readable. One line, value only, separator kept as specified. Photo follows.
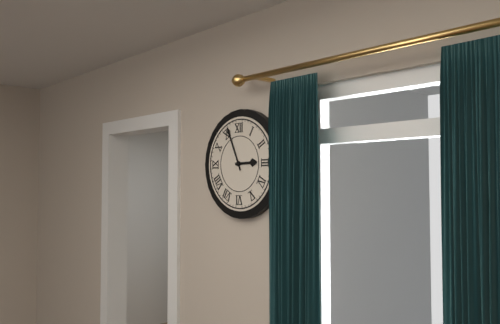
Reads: 2:56
